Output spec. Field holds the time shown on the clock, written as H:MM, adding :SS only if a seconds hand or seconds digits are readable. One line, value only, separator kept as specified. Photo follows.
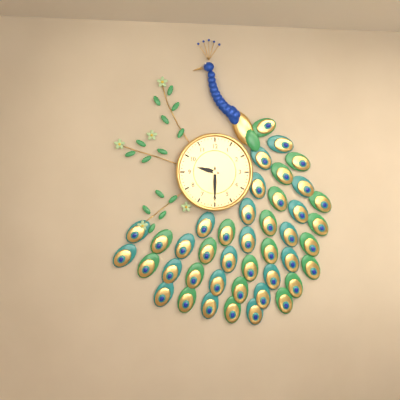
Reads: 9:30
